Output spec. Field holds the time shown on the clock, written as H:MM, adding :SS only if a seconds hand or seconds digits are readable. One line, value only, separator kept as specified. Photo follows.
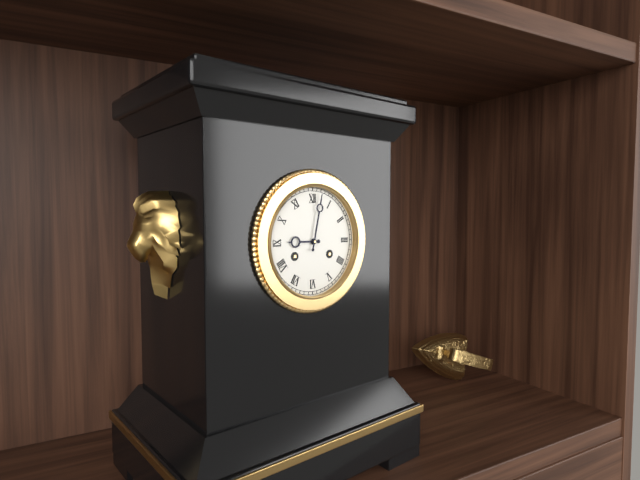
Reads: 9:02
